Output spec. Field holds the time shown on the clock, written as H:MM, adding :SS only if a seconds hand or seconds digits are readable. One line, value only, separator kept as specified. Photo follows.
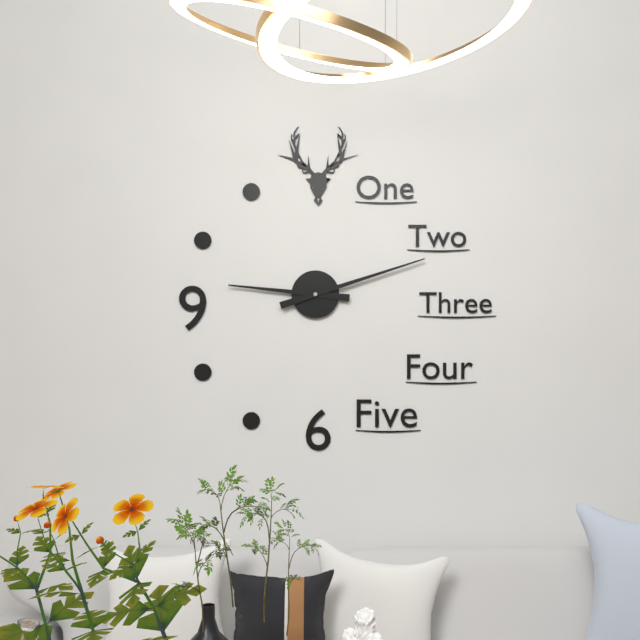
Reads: 9:12
